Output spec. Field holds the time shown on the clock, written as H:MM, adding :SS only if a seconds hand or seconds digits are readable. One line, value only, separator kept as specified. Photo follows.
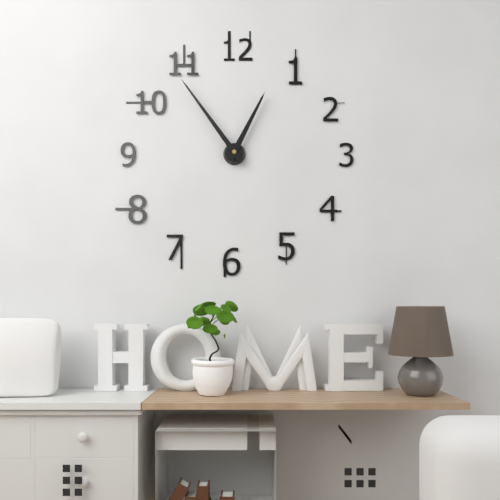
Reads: 12:54
